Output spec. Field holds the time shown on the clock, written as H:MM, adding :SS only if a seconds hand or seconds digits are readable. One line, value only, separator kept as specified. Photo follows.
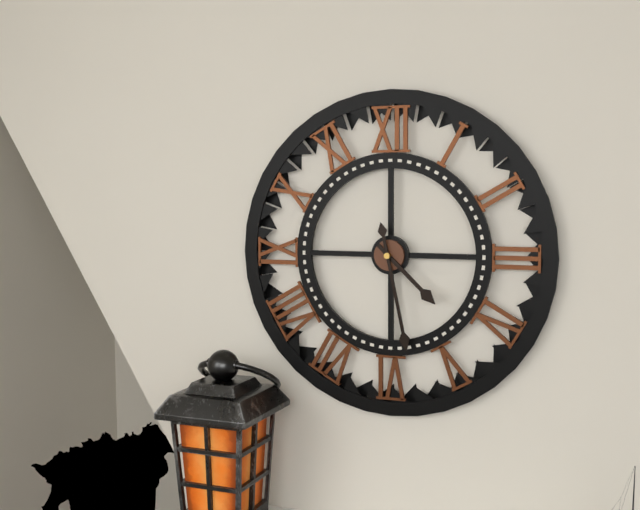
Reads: 4:28
